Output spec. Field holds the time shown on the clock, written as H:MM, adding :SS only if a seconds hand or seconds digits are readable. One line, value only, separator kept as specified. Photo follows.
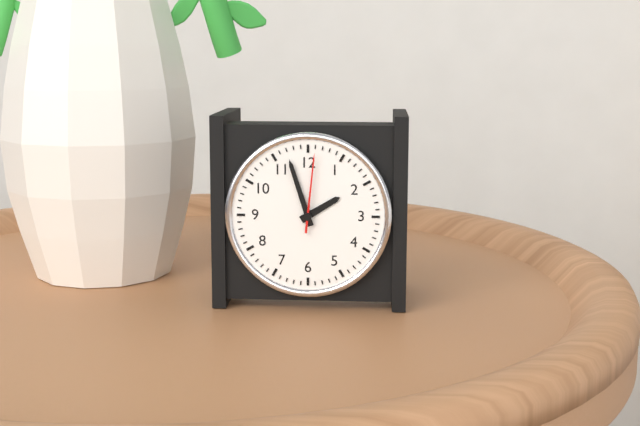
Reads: 1:57:01
